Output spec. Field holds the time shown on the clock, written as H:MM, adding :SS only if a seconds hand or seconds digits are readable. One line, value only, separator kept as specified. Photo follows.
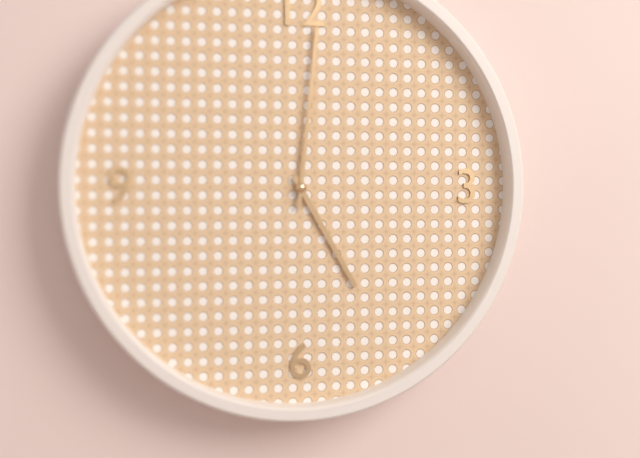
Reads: 5:01
